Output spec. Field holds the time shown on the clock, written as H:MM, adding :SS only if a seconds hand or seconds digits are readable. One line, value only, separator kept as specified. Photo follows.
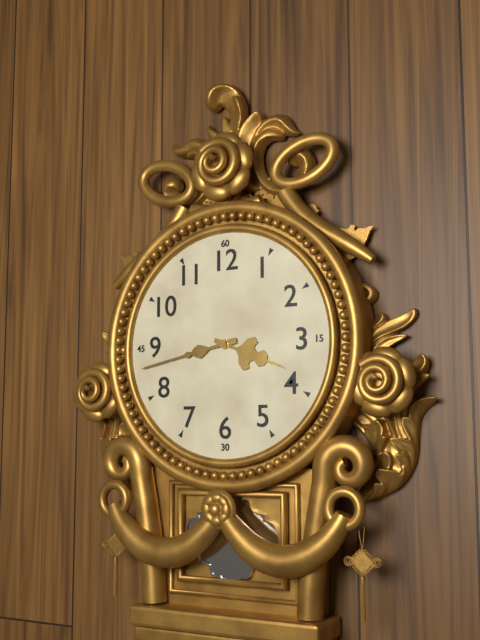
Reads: 3:43
